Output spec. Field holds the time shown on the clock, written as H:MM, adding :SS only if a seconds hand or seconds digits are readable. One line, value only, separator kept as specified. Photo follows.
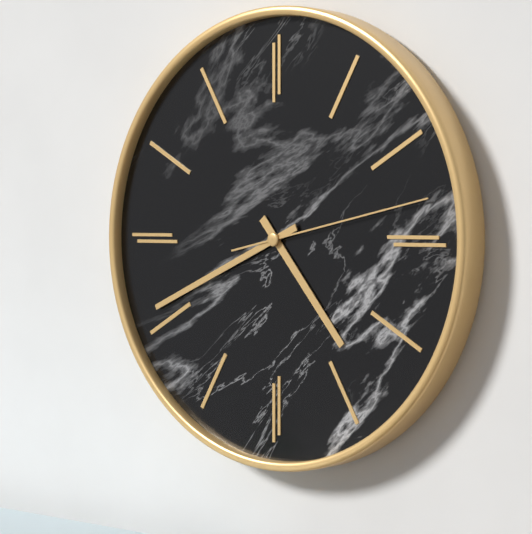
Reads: 4:41:13
